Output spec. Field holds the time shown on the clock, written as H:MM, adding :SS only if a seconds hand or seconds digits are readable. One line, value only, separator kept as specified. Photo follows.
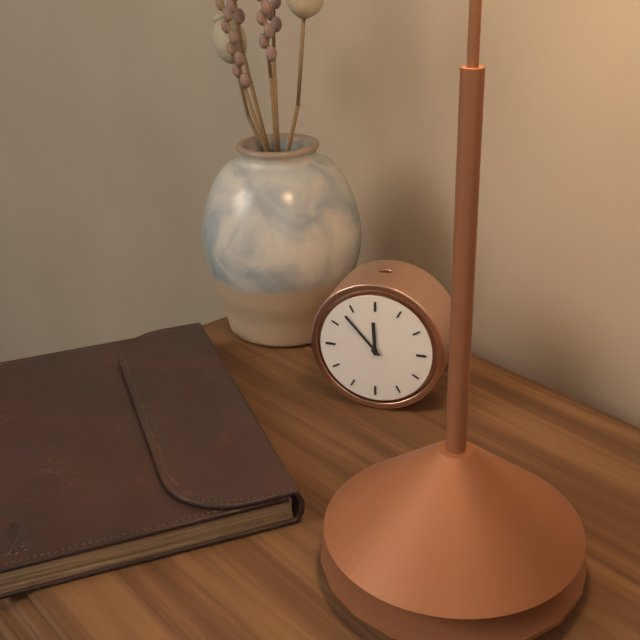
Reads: 11:53
